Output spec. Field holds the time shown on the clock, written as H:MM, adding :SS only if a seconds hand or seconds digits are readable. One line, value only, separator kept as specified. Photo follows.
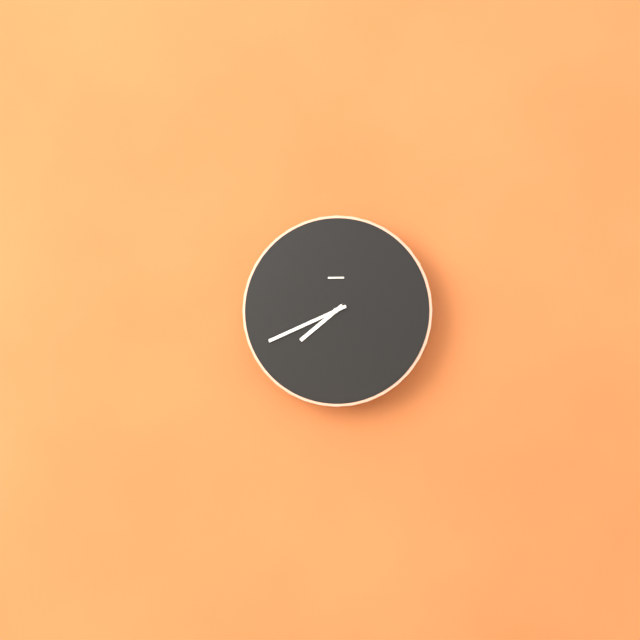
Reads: 7:41
